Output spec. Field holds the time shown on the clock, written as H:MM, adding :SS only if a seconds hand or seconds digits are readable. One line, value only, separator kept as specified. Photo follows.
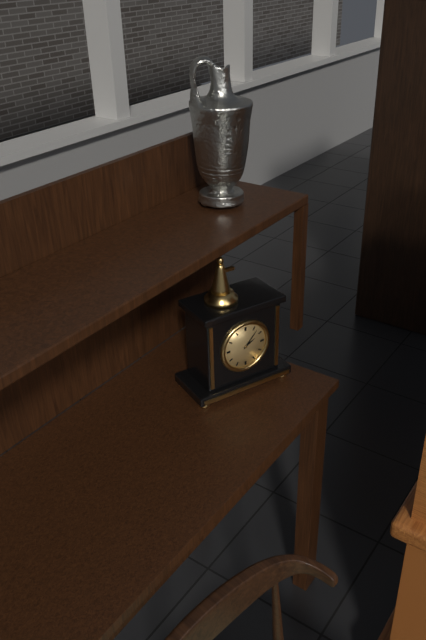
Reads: 2:07
